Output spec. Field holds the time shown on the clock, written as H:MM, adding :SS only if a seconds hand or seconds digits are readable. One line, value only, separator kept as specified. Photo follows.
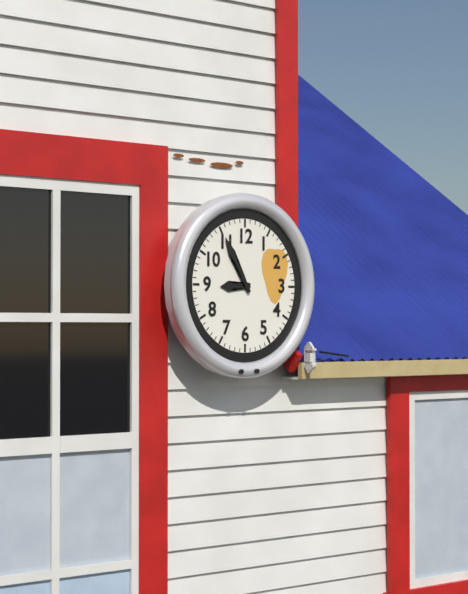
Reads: 8:55
